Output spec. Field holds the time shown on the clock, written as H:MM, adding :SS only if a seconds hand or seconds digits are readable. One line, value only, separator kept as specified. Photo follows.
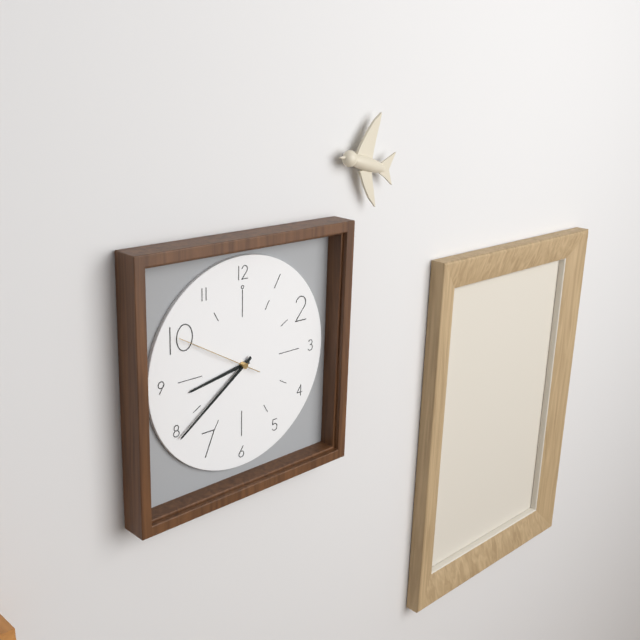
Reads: 8:39:50
